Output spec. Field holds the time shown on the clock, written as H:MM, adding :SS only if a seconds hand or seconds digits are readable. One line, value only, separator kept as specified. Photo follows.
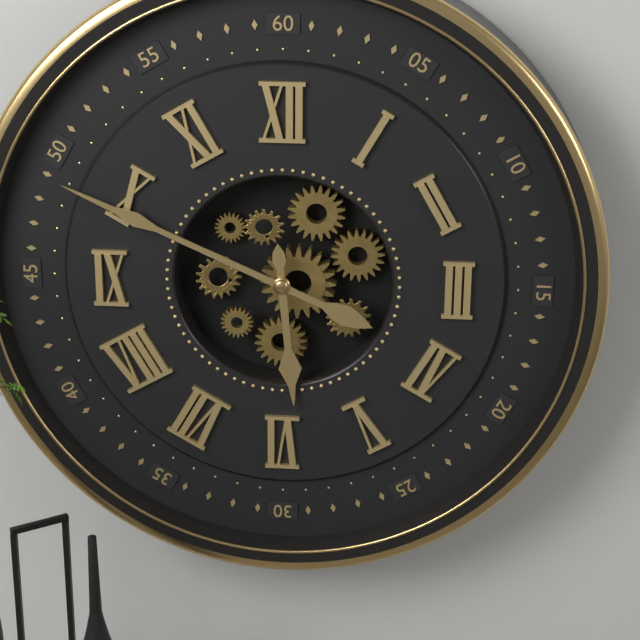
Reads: 5:49
